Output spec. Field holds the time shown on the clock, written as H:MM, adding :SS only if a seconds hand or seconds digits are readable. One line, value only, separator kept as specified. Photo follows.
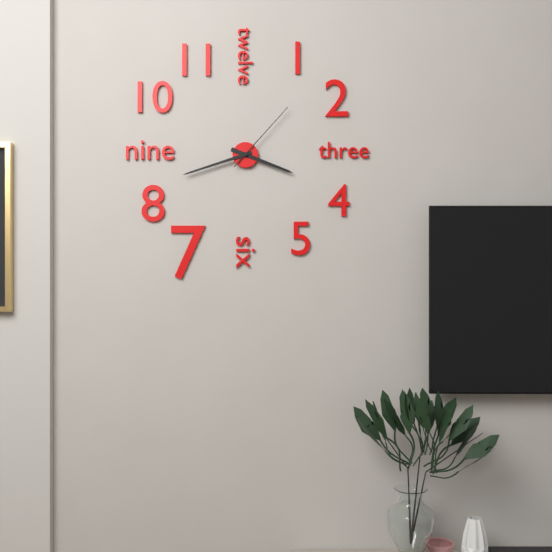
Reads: 3:42:07
